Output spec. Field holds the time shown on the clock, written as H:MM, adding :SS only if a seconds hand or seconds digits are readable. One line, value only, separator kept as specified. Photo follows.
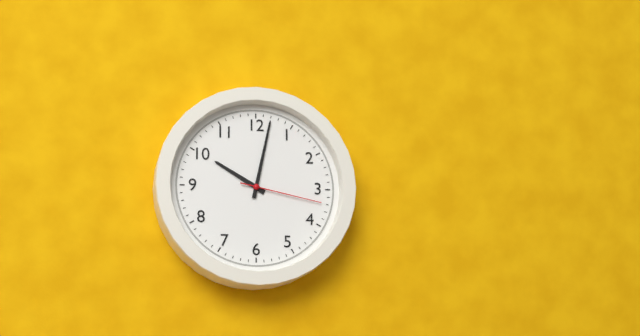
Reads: 10:02:17
